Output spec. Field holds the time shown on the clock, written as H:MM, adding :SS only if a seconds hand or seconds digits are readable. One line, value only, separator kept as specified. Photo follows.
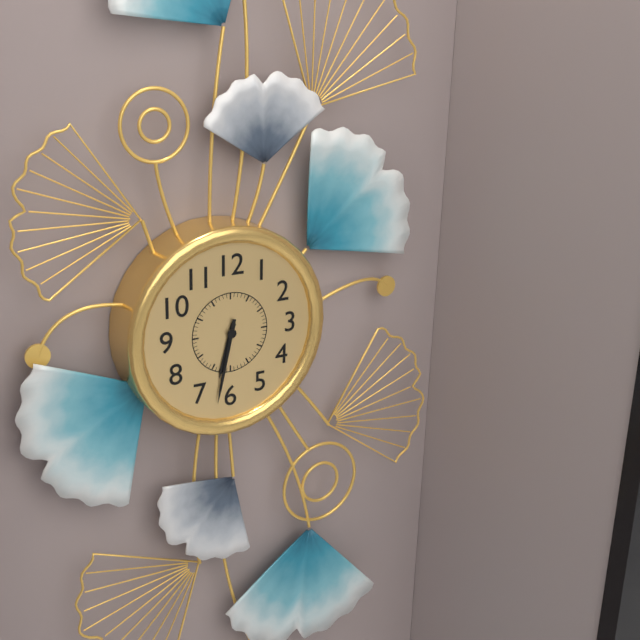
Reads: 6:32
